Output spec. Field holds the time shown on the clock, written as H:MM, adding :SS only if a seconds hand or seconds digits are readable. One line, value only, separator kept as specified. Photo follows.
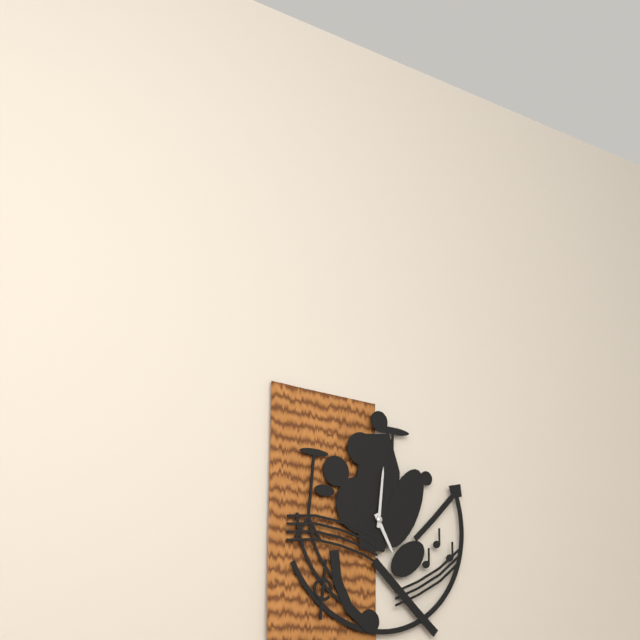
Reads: 5:01
